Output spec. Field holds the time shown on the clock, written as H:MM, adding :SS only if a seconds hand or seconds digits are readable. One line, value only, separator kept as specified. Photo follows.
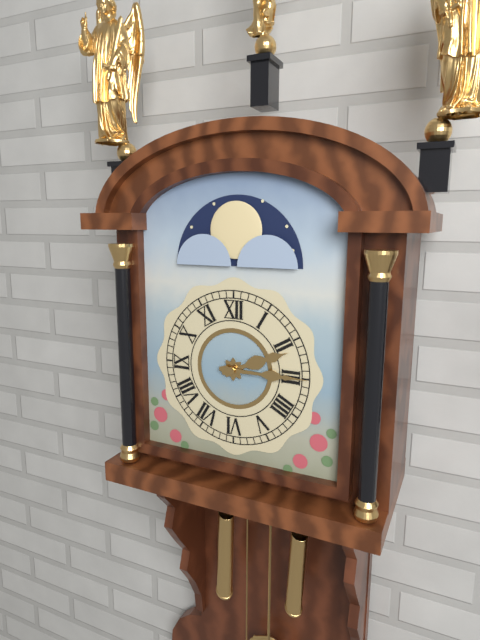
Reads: 2:15
